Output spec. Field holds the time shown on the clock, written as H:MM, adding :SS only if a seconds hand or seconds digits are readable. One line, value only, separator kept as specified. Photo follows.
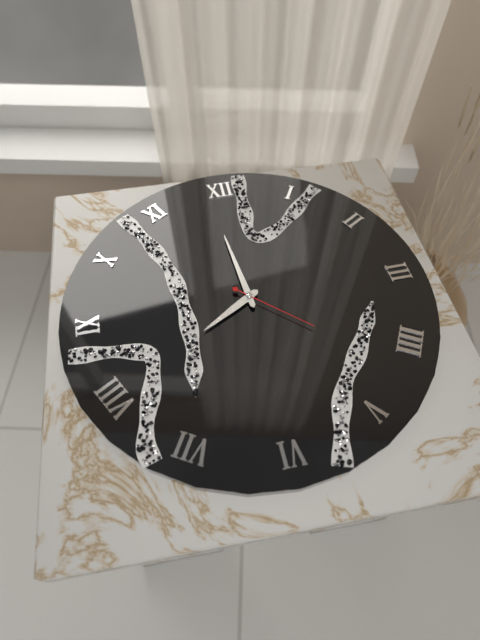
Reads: 7:59:22
